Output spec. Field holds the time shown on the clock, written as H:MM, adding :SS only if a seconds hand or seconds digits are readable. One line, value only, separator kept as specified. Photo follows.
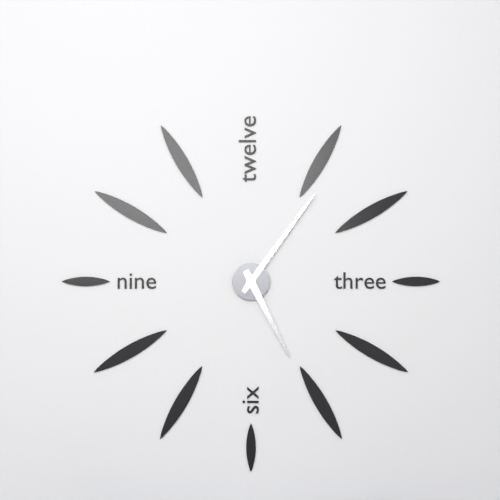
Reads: 5:06
